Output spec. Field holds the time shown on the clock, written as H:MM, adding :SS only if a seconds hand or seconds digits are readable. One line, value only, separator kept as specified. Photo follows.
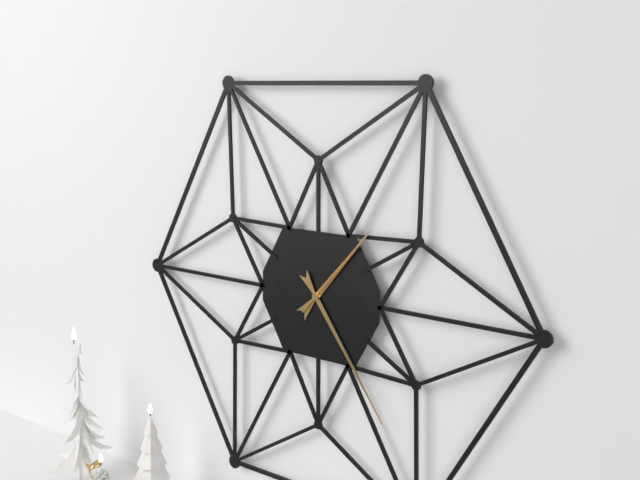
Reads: 1:24:07
